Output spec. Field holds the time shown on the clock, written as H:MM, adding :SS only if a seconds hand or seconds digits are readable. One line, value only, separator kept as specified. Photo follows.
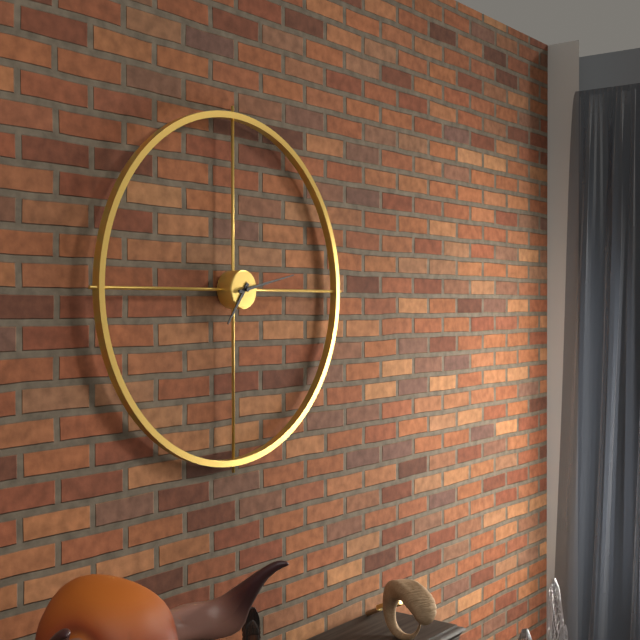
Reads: 7:13
